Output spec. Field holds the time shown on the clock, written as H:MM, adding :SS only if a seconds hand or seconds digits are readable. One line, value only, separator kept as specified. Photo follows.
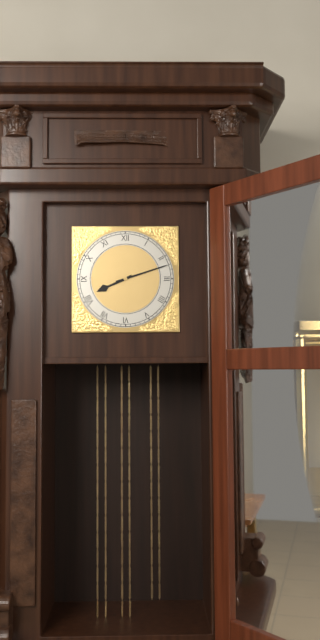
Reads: 8:12
